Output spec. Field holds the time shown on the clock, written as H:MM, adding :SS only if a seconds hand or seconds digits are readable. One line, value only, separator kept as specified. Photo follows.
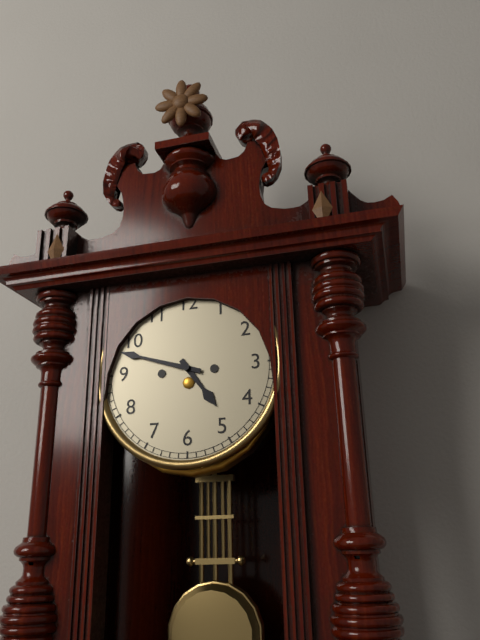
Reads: 4:48
